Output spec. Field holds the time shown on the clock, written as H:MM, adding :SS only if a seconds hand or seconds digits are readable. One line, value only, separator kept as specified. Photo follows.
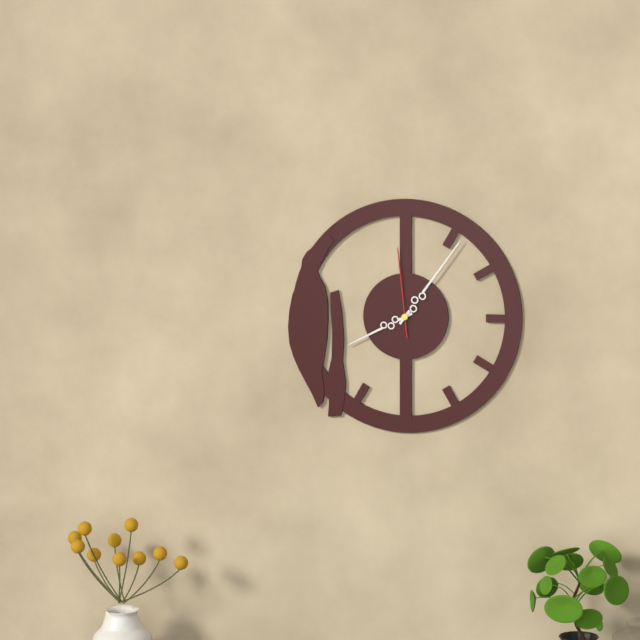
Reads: 8:06:59
